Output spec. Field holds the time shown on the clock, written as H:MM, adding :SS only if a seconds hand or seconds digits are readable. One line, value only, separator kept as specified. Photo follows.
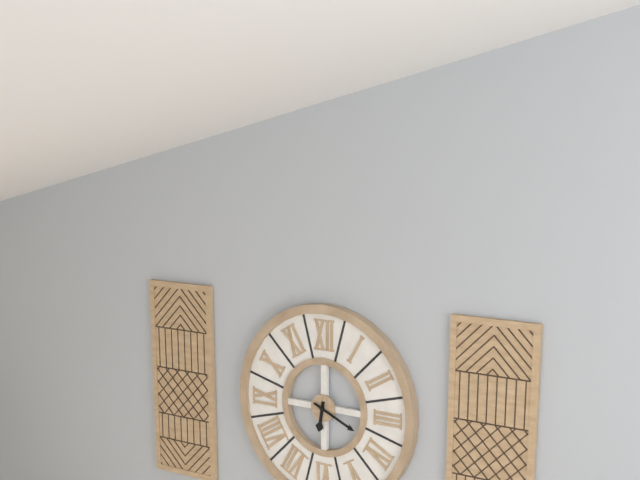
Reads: 6:19
